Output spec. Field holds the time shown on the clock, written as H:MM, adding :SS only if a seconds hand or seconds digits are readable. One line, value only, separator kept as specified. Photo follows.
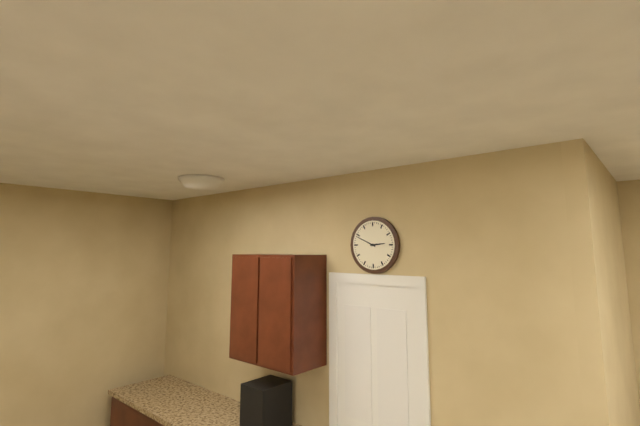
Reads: 2:49
